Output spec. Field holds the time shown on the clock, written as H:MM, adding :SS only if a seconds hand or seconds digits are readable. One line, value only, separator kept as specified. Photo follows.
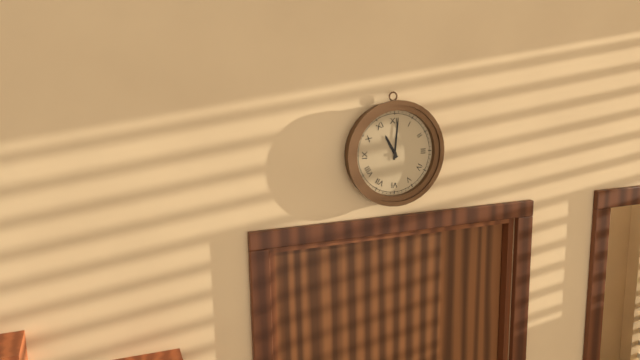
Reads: 11:01
